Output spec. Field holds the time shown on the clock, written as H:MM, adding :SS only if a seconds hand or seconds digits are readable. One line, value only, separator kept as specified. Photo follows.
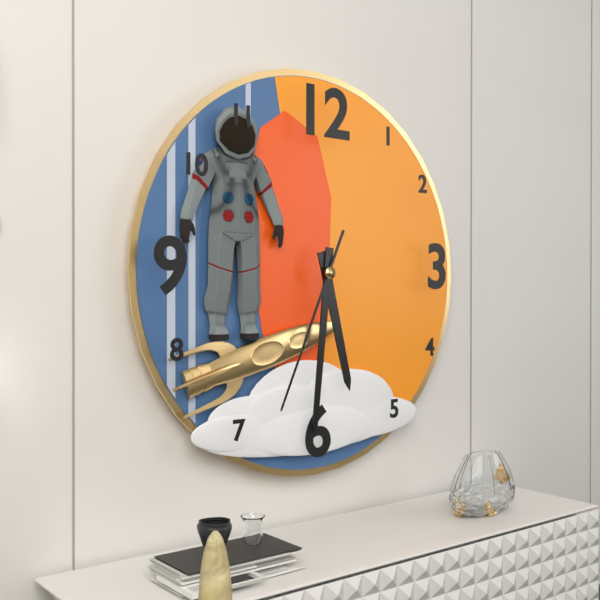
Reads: 5:31:34
